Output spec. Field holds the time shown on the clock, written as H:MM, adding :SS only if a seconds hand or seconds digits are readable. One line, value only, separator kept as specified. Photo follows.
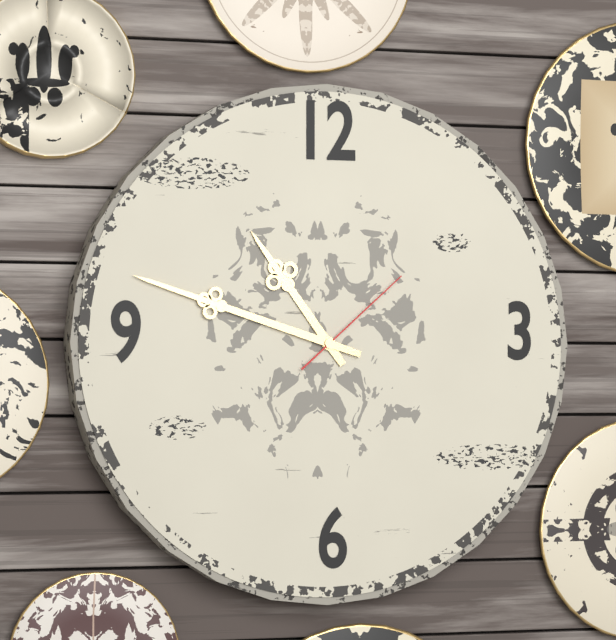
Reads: 10:48:08
